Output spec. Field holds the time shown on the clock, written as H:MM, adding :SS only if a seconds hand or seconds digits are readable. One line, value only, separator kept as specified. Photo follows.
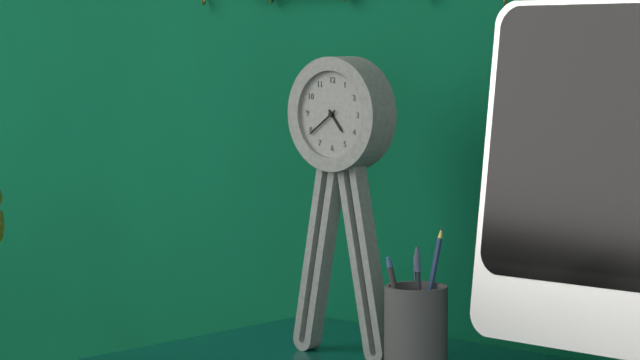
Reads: 4:39
